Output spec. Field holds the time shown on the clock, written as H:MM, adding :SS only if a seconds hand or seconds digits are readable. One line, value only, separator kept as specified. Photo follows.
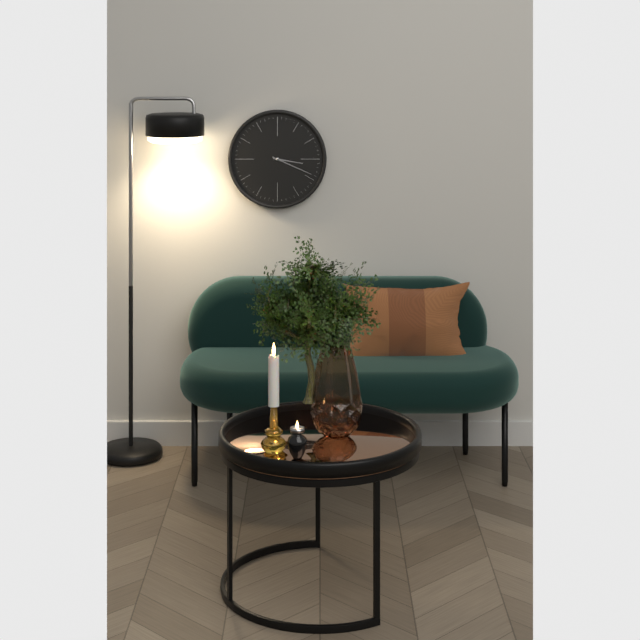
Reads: 3:19
